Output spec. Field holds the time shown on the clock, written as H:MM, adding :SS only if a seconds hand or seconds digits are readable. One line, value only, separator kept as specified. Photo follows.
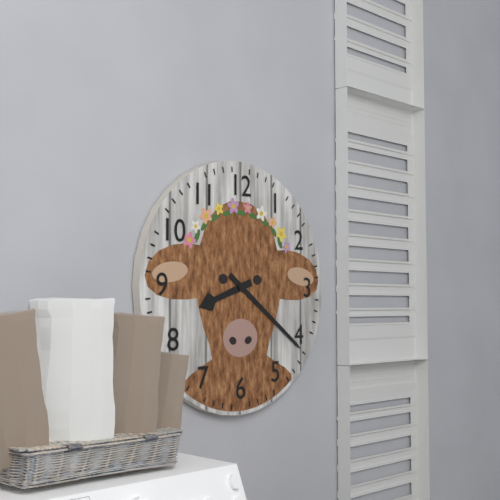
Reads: 8:21
